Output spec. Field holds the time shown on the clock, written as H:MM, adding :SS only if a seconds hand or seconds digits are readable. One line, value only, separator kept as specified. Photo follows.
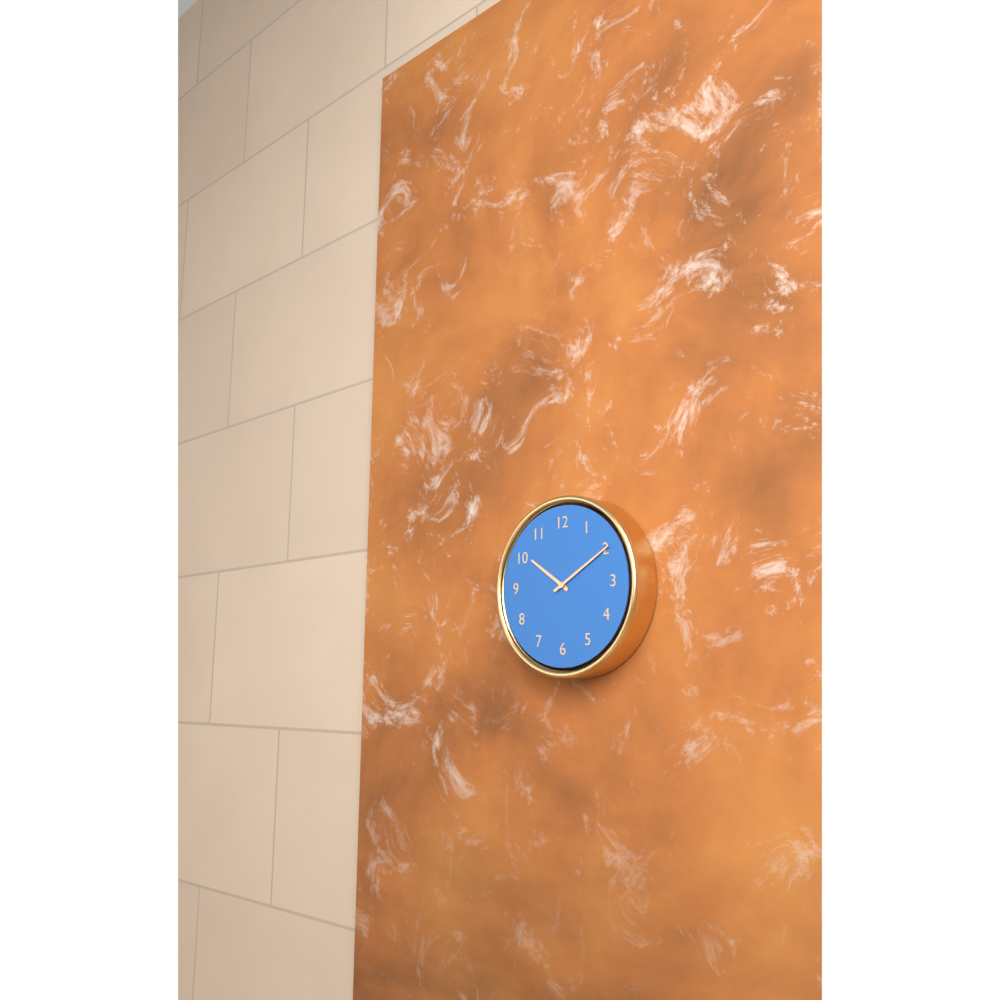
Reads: 10:10
